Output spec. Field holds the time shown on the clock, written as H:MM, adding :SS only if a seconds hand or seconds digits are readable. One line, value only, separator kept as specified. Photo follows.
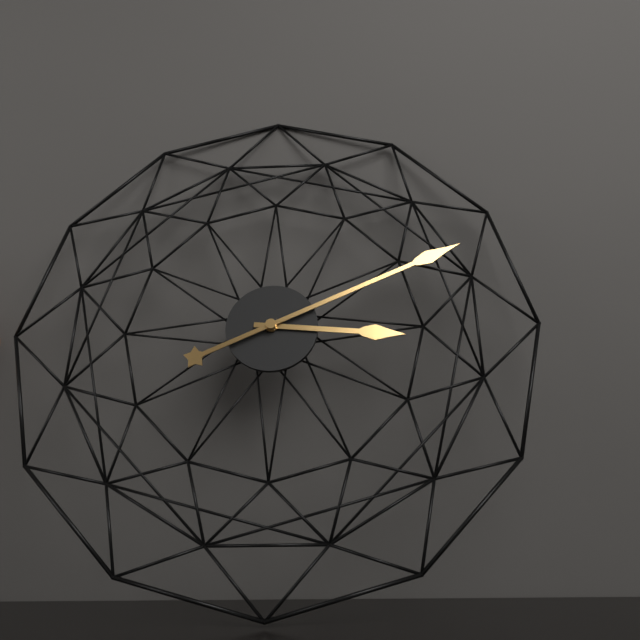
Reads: 3:11
